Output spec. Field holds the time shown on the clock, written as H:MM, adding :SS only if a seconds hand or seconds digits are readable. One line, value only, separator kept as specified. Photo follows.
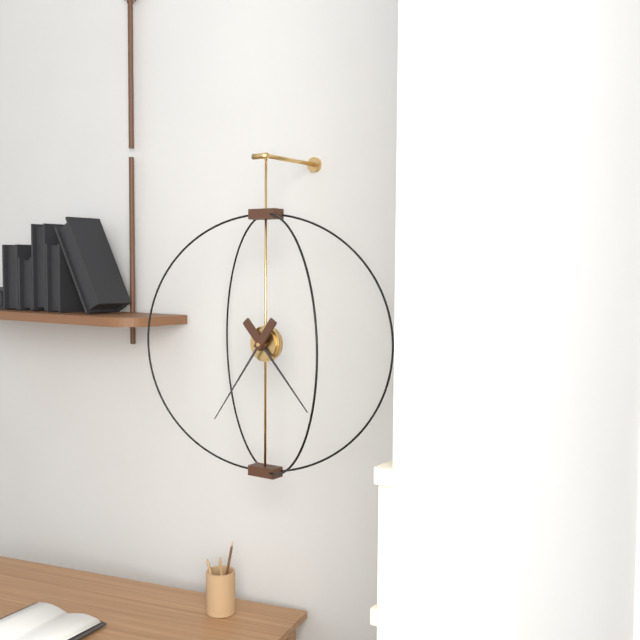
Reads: 4:36
